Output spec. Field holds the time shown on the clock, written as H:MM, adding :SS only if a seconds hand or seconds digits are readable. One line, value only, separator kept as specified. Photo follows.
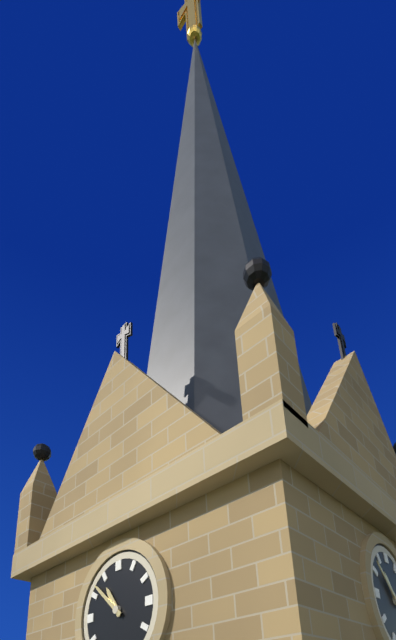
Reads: 10:52
